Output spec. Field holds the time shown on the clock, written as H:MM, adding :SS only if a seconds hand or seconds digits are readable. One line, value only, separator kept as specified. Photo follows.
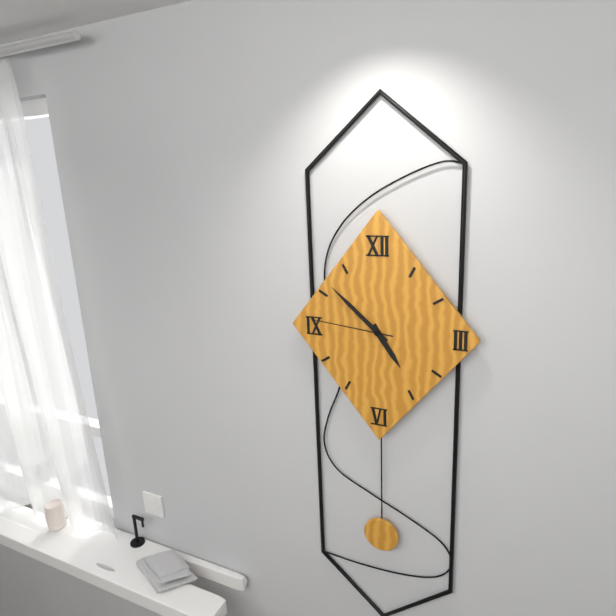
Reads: 4:52:46
